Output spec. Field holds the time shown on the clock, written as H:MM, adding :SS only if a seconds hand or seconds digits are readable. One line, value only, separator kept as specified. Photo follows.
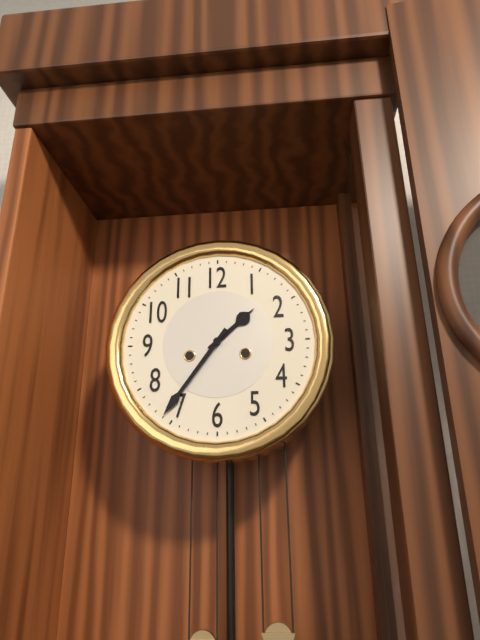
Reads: 1:36
